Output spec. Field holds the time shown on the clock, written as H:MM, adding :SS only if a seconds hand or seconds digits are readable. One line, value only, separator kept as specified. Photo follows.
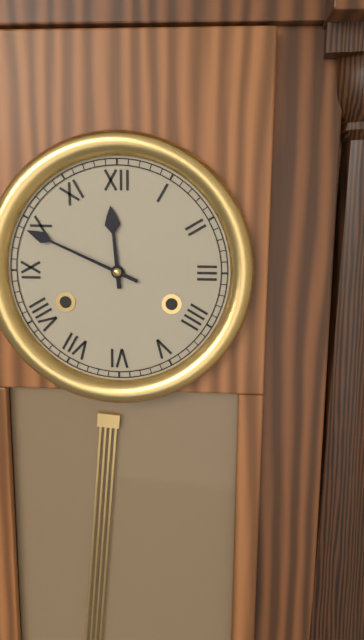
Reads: 11:49
